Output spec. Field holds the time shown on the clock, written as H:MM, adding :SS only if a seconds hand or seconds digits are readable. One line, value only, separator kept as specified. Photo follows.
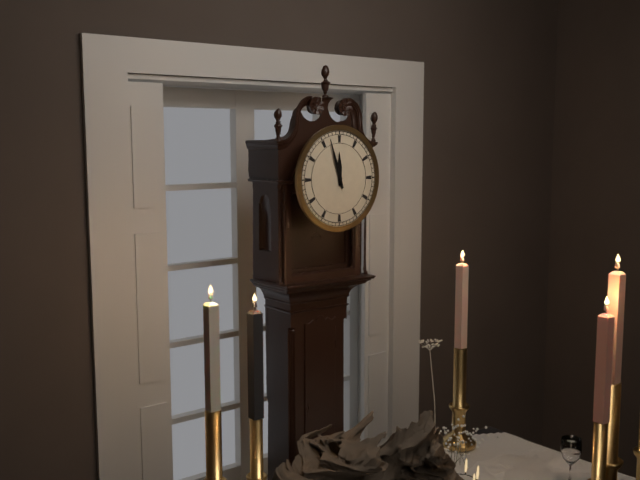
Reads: 11:57
